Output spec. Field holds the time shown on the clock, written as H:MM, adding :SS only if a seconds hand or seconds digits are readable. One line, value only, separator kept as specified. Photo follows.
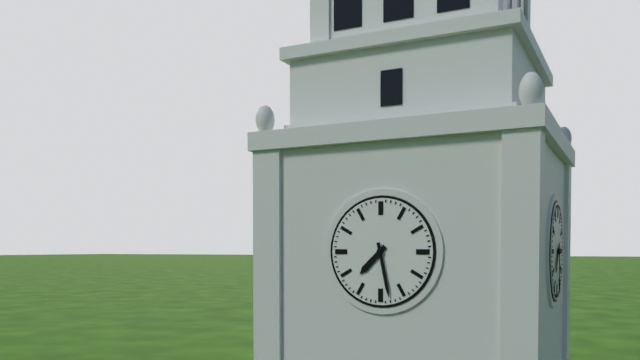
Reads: 7:28
